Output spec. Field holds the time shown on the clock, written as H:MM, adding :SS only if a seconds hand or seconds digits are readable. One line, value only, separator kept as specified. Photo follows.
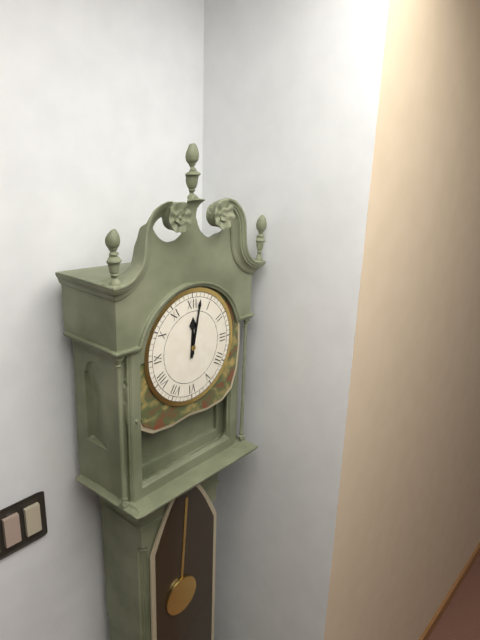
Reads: 12:02
